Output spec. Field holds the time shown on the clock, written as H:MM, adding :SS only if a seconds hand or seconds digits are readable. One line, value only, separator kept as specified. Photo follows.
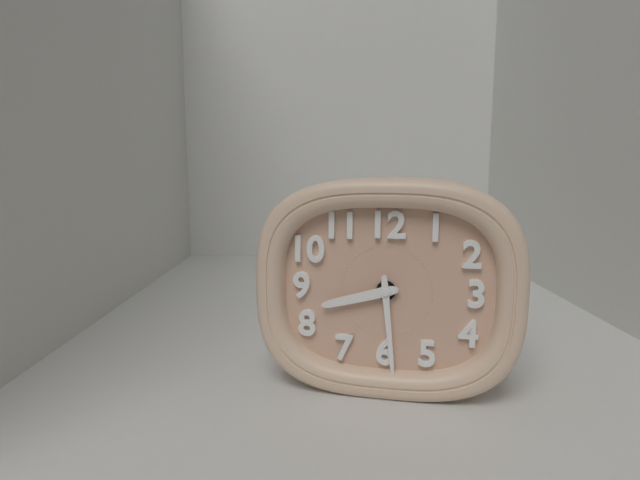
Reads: 8:29
